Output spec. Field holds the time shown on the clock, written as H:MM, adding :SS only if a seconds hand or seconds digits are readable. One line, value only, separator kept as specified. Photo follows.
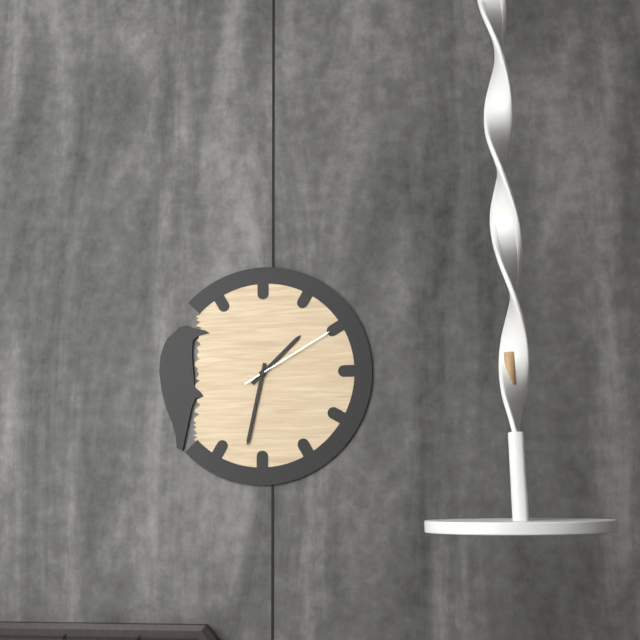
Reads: 1:32:10
